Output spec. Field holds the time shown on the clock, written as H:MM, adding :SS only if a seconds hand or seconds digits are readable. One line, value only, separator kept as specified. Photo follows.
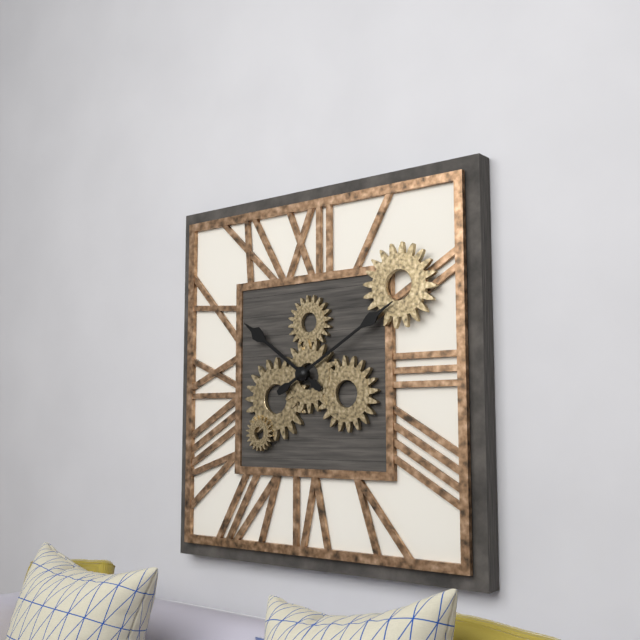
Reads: 10:10
